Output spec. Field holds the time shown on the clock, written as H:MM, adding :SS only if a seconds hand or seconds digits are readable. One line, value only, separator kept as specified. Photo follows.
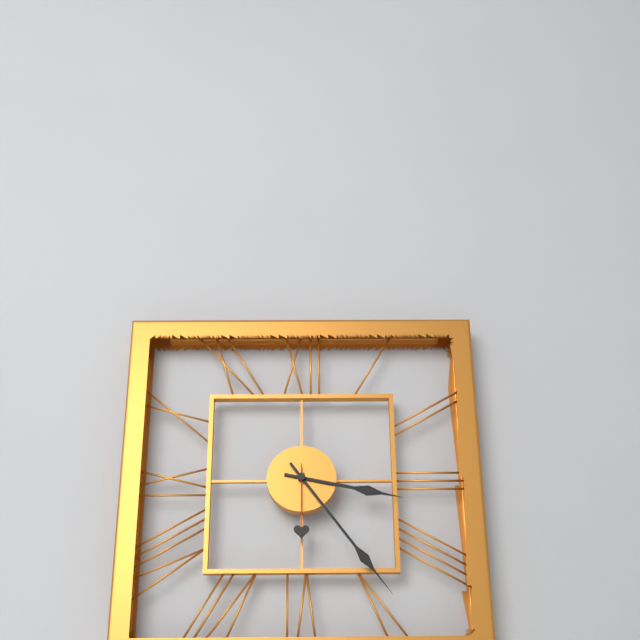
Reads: 3:24:30
